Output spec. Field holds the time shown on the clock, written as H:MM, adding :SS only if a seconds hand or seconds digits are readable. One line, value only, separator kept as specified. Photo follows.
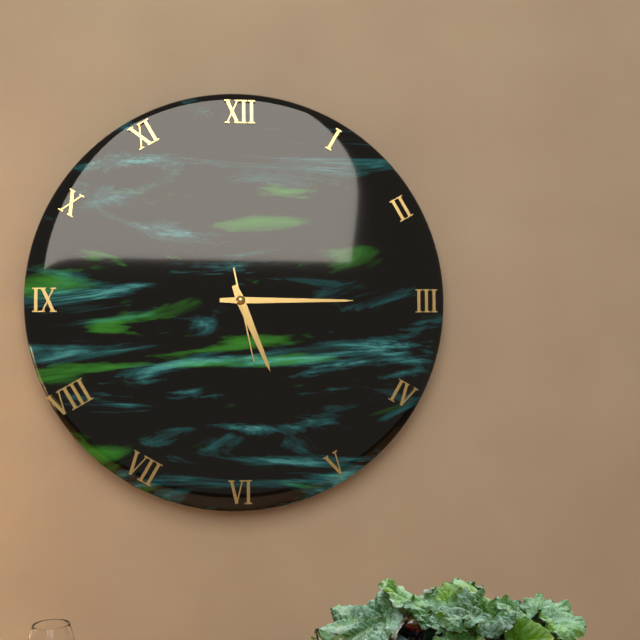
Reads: 5:15:28
